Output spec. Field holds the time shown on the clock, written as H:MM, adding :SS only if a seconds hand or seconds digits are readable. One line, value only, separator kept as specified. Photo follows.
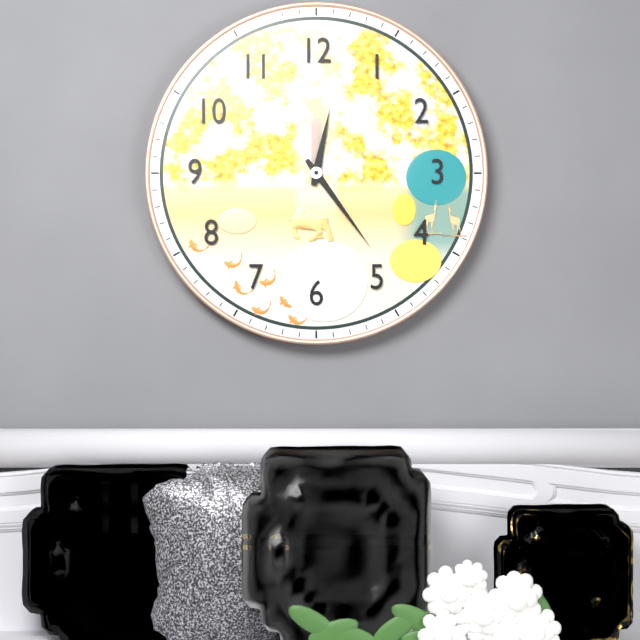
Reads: 12:24
